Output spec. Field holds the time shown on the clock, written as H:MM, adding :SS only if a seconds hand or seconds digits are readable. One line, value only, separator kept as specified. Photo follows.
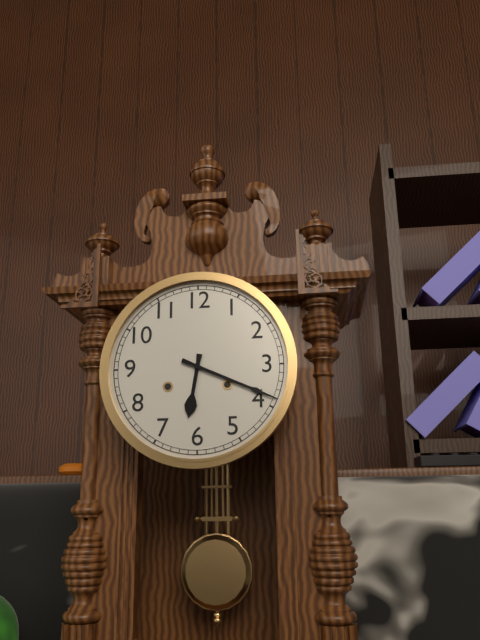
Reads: 6:19
